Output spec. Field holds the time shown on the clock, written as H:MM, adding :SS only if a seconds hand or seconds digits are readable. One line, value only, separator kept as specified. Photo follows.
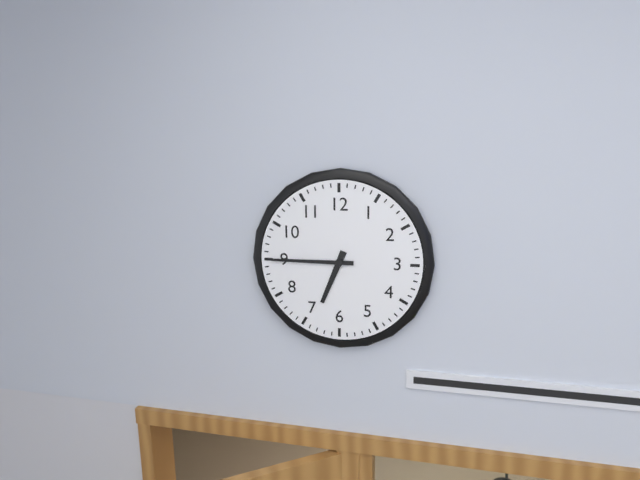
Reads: 6:45
